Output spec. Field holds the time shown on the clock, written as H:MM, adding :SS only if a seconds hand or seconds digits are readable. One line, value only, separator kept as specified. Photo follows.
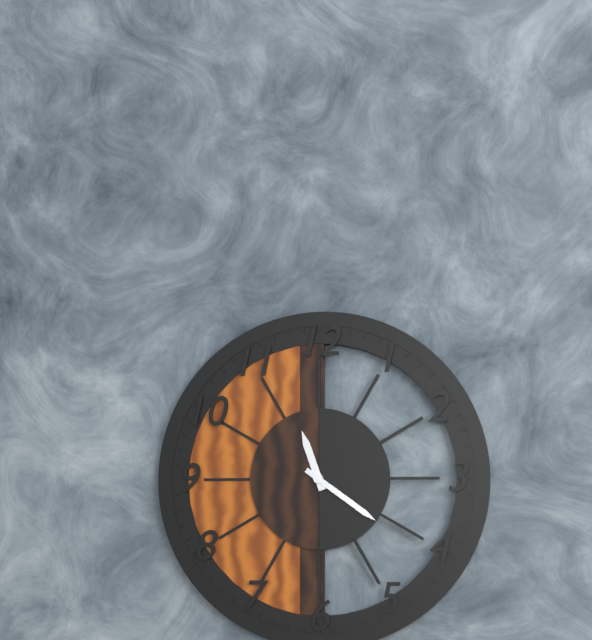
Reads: 11:21
